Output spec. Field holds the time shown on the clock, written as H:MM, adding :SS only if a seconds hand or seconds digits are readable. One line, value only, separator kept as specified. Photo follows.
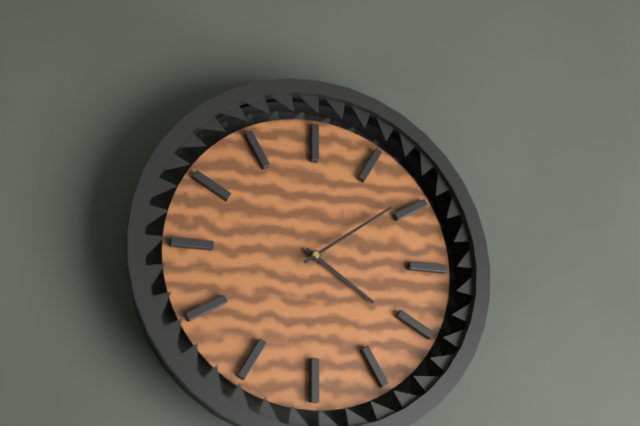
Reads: 4:09
